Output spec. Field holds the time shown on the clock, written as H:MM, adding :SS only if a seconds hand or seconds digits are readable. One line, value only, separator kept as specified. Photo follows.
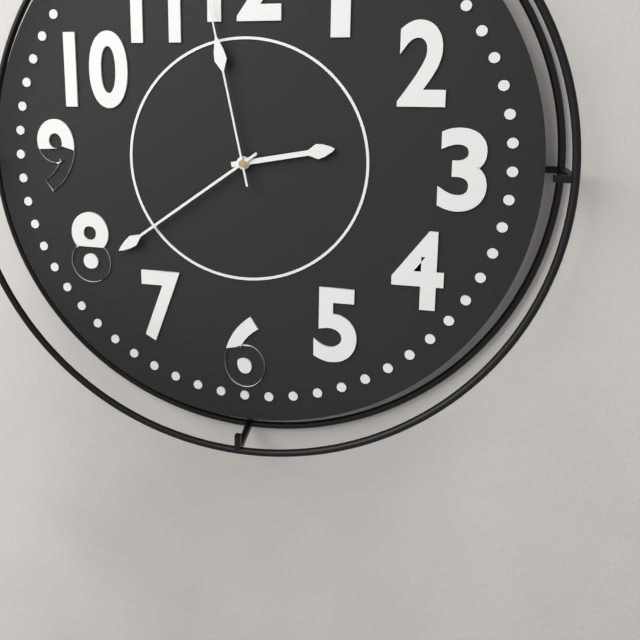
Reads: 2:39
